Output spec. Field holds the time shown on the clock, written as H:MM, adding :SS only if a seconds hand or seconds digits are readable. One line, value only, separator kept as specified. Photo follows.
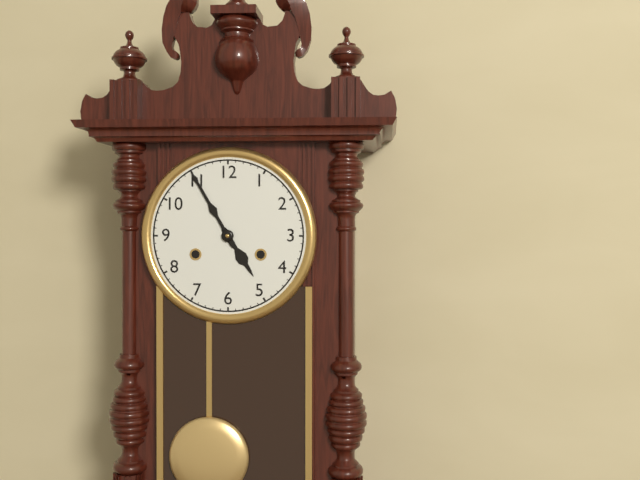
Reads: 4:55
